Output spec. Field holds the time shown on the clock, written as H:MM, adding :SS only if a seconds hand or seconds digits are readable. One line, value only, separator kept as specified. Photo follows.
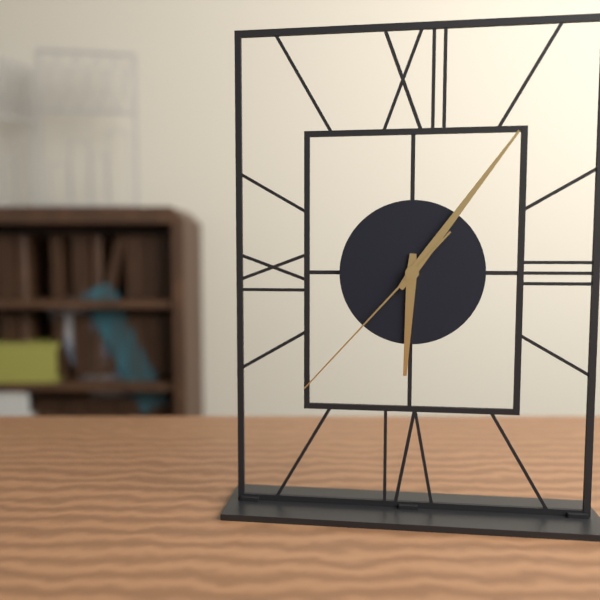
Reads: 6:06:37
